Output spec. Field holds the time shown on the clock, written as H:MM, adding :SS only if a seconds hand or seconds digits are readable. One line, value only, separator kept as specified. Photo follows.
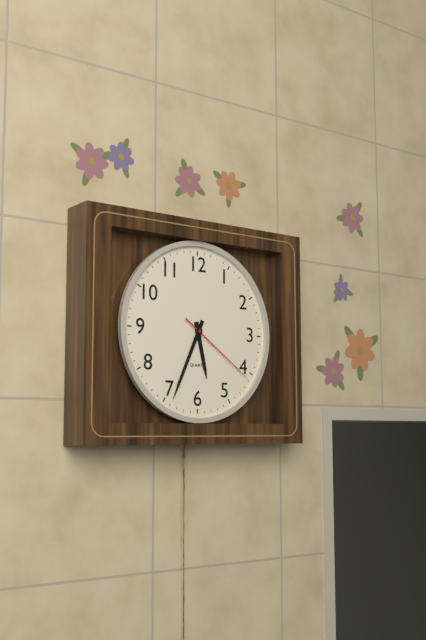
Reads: 5:34:21
